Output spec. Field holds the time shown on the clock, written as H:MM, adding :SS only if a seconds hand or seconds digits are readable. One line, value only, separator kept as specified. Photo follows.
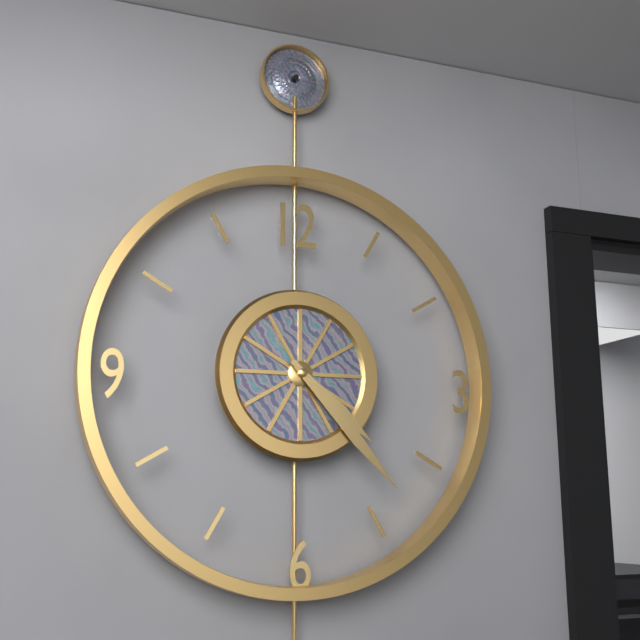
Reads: 4:23
